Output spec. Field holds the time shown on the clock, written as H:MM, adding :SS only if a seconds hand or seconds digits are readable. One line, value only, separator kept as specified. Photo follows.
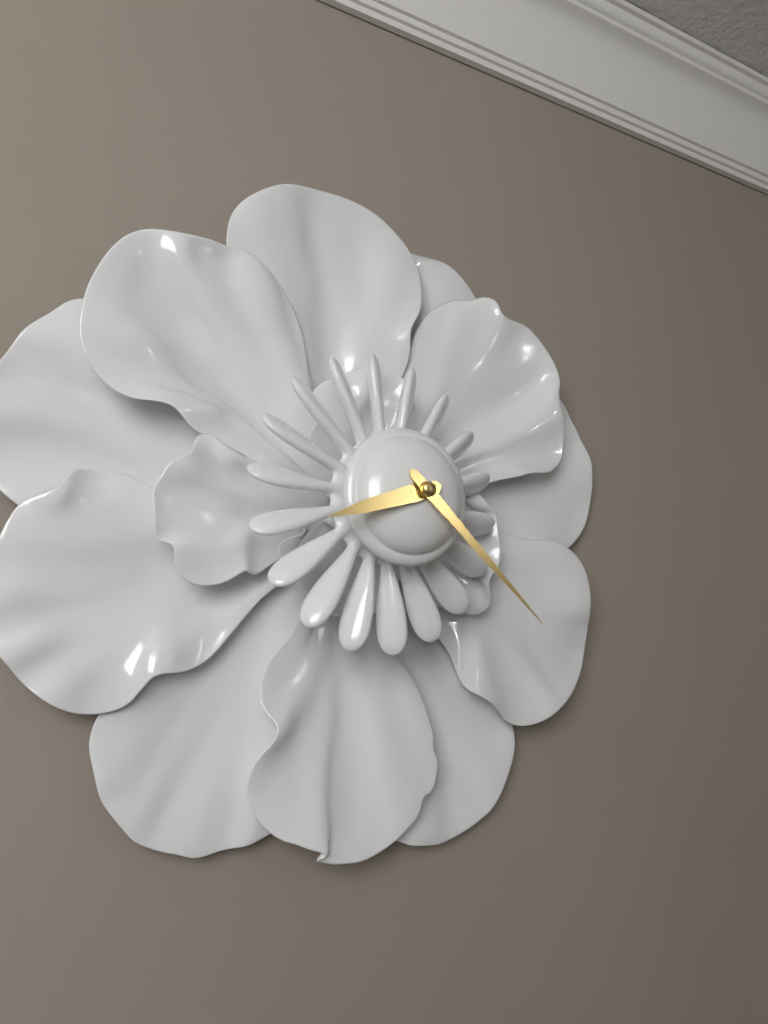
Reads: 8:22
